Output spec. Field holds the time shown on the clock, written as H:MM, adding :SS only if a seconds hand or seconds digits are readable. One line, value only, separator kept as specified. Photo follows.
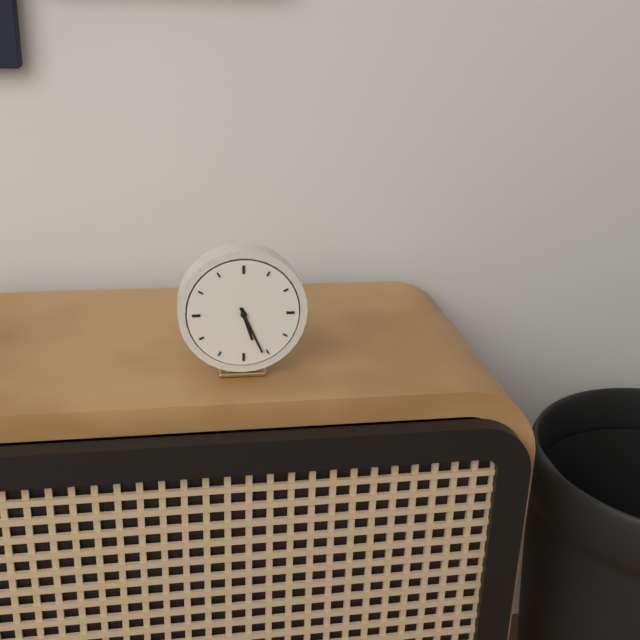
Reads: 5:26
